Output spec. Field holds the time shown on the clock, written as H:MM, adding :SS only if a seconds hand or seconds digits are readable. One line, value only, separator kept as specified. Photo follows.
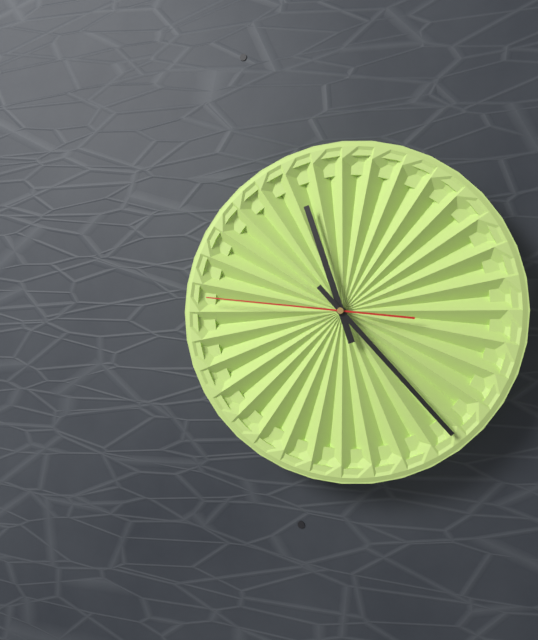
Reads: 11:23:46
